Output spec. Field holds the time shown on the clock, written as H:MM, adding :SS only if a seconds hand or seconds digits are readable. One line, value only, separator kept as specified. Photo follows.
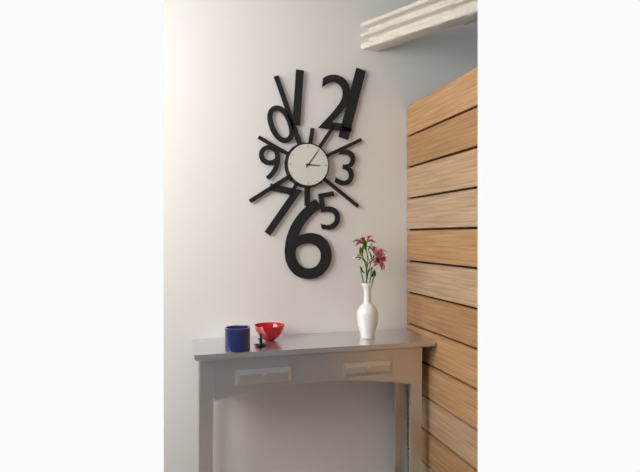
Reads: 3:06
